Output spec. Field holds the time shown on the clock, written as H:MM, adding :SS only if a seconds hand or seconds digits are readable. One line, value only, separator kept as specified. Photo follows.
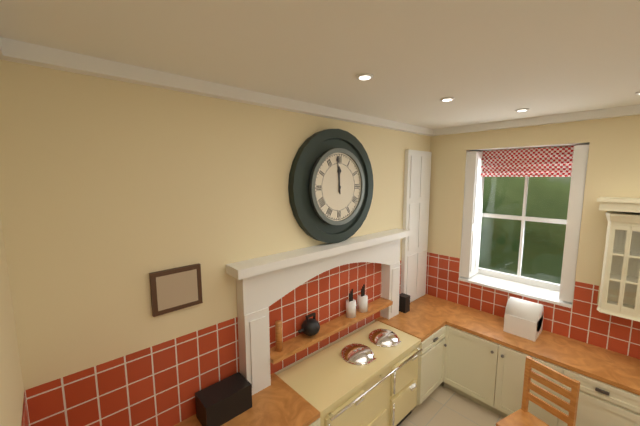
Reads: 11:59
